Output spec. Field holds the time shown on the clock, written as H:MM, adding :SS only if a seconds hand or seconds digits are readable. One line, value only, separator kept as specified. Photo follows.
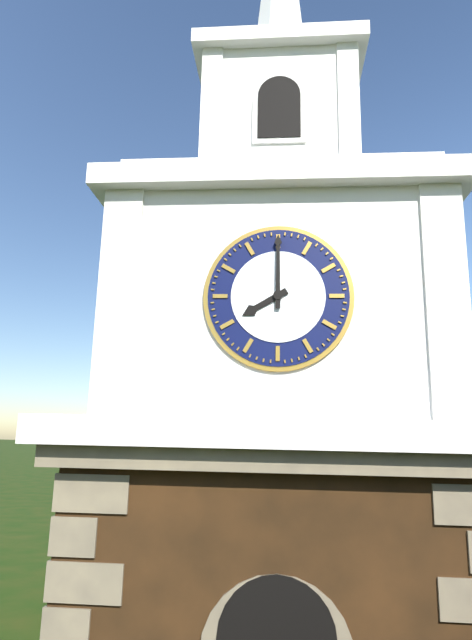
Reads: 8:00
